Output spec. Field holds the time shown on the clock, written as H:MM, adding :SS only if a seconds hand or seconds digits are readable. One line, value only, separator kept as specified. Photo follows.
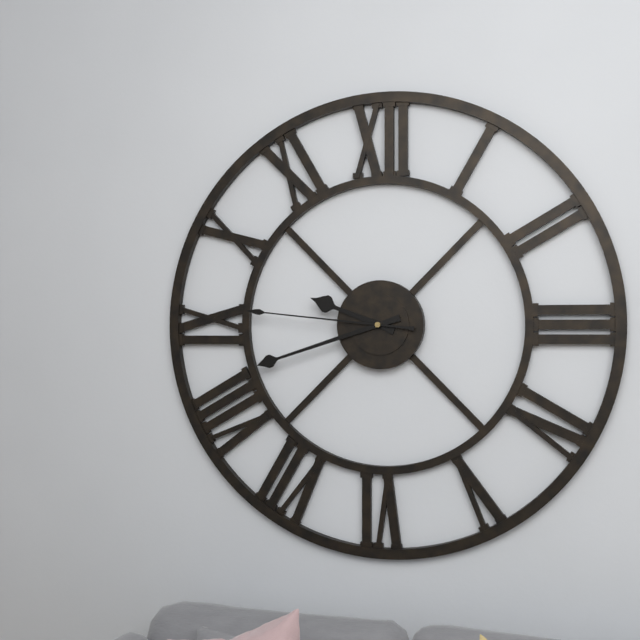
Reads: 9:42:46
